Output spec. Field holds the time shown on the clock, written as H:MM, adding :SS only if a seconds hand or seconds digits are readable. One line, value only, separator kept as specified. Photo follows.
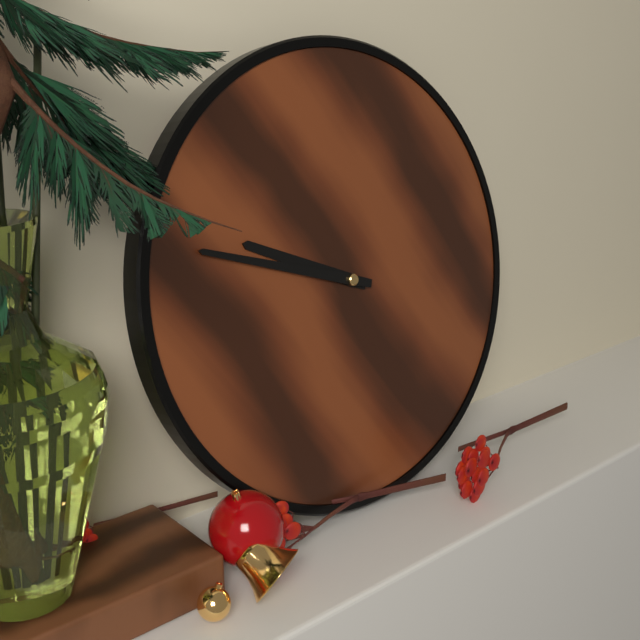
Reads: 9:48
